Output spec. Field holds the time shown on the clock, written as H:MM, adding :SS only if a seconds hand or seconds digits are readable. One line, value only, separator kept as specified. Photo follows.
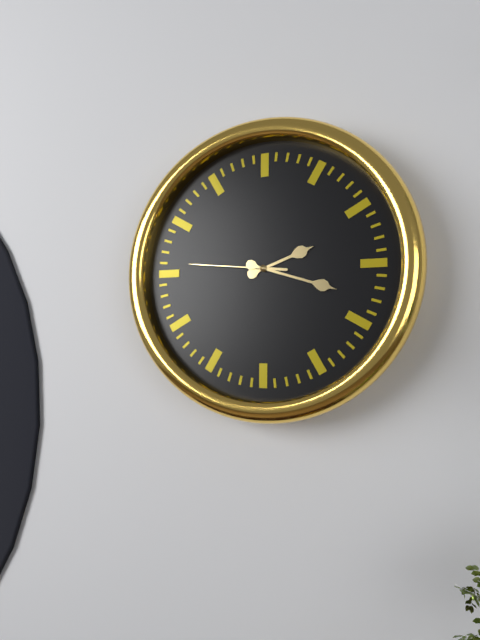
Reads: 2:18:46
